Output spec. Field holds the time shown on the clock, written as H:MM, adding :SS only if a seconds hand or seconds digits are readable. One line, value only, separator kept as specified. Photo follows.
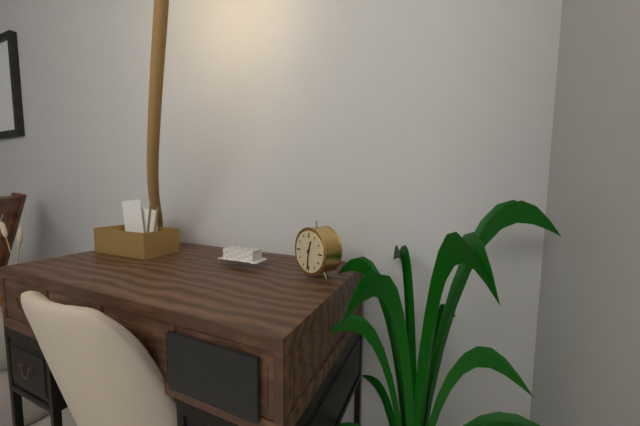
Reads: 12:31
